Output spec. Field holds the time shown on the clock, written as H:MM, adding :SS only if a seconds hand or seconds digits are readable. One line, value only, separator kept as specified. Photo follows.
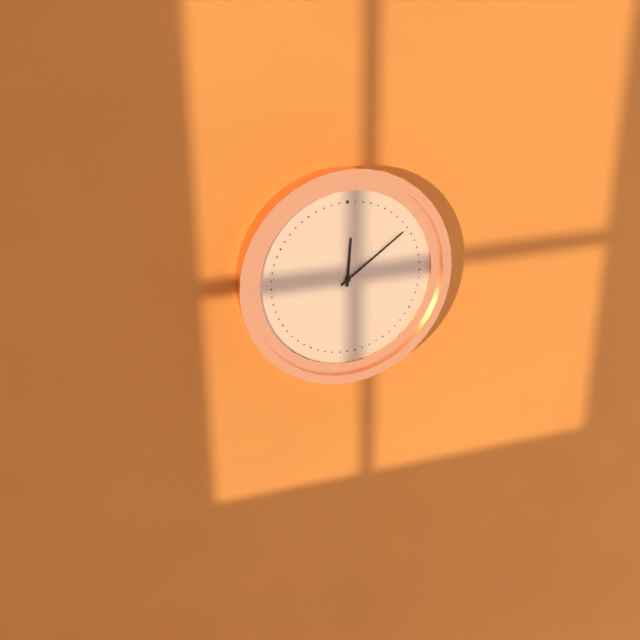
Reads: 12:09
